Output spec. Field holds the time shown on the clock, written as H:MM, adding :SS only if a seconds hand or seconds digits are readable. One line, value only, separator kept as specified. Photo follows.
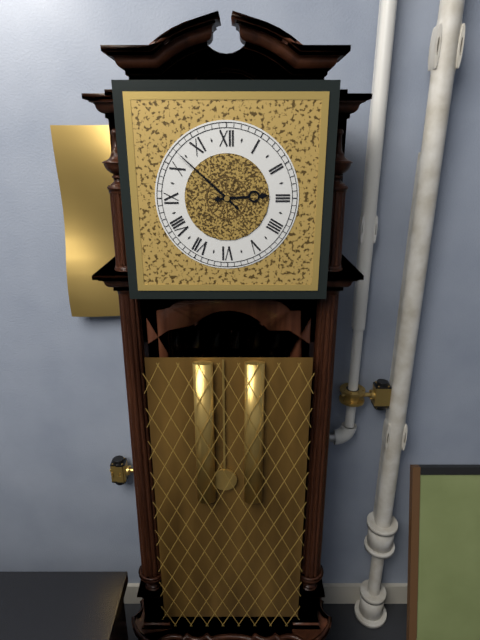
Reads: 2:52
